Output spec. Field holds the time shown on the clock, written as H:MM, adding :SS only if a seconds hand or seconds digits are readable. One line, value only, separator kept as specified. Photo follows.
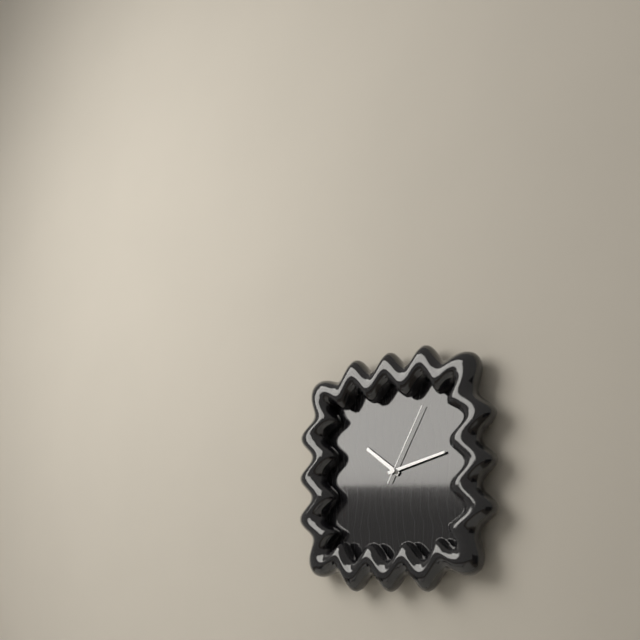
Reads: 10:13:05
